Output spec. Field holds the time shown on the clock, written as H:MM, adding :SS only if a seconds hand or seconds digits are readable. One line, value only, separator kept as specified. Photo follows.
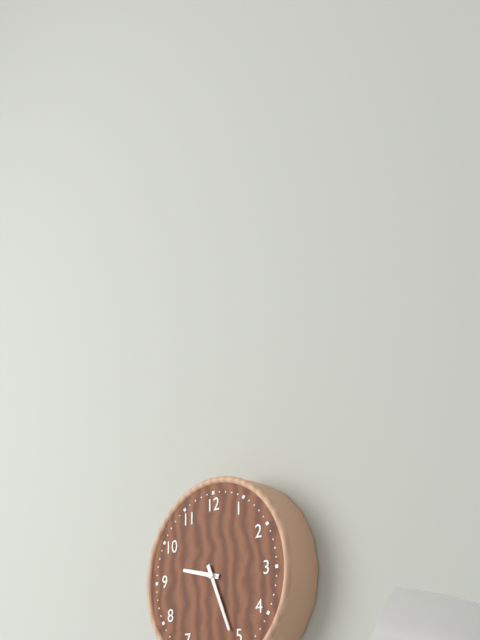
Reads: 9:26
